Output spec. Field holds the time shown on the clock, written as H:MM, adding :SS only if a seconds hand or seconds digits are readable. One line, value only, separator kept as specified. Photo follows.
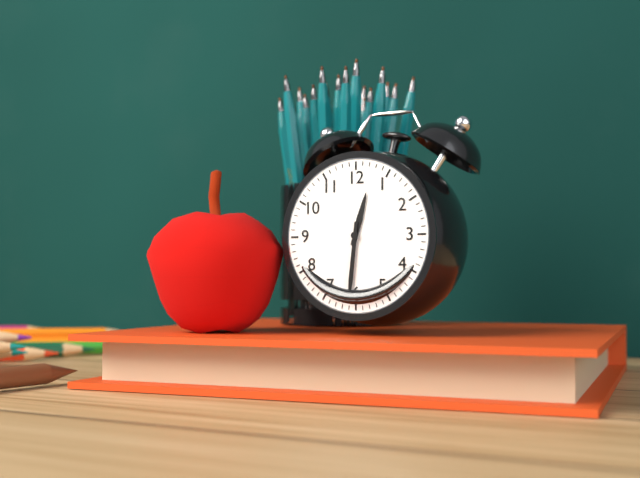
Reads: 12:31
